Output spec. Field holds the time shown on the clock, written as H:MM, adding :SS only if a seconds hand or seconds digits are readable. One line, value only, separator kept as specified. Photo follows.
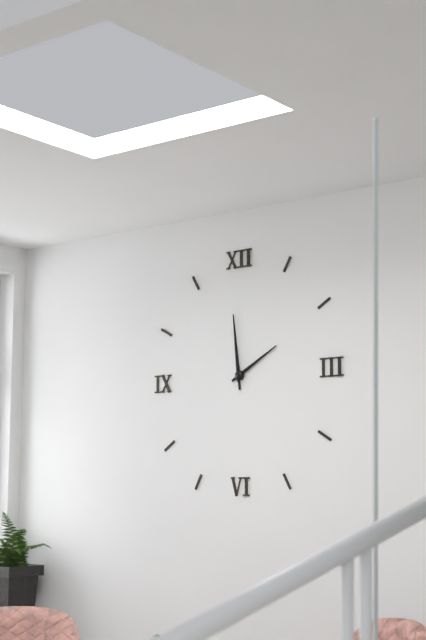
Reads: 1:59
